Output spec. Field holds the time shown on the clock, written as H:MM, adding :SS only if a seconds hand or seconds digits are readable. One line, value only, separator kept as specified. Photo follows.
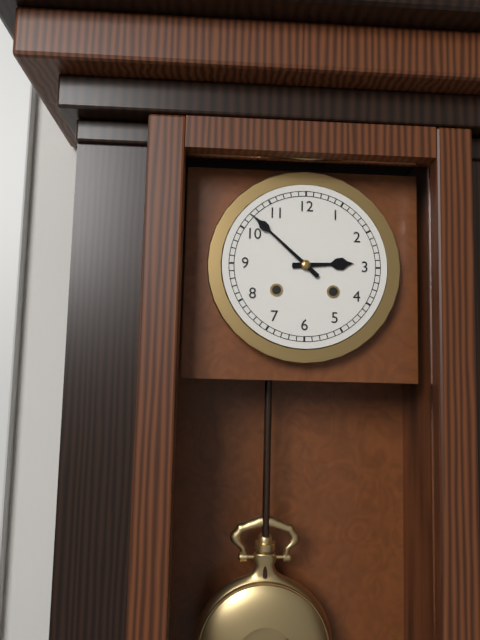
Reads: 2:52
